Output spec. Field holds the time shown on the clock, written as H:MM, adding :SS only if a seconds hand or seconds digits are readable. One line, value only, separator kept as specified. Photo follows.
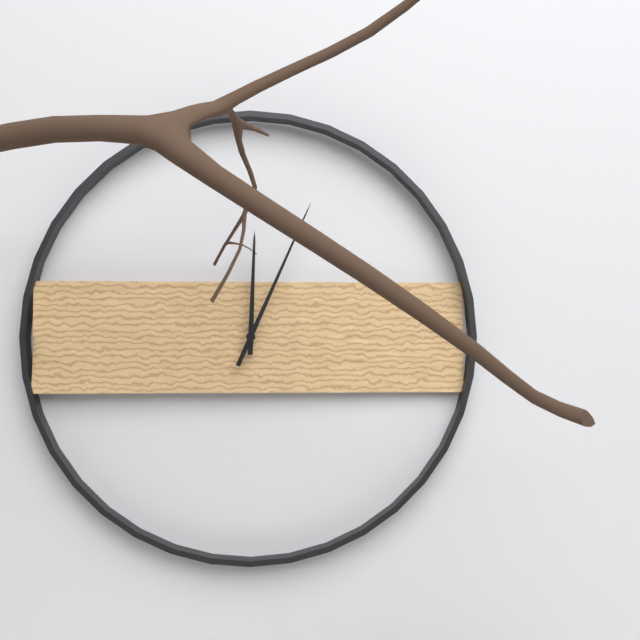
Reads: 12:04
